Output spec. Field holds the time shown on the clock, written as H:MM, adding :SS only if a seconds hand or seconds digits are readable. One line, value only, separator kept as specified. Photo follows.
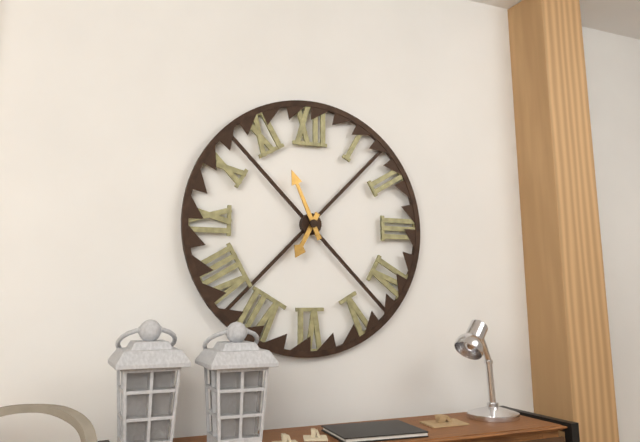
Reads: 6:56
